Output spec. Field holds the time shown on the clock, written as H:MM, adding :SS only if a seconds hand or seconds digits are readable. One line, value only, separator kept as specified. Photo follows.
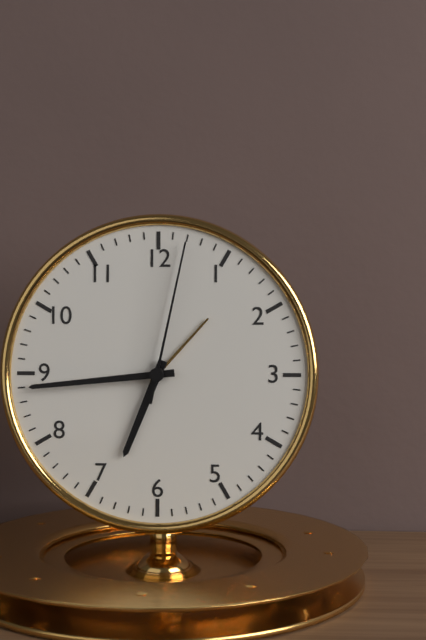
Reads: 6:44:02
